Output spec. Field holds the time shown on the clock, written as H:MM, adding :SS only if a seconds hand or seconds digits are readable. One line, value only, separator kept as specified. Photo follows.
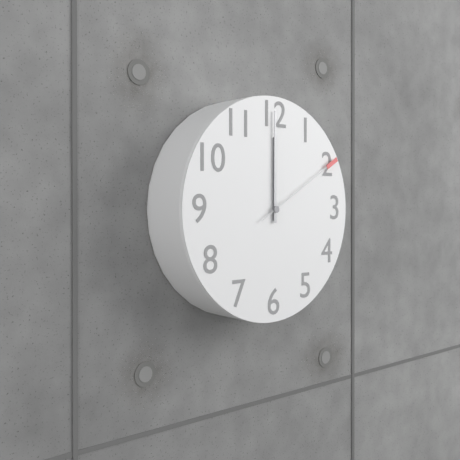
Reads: 12:00:10
